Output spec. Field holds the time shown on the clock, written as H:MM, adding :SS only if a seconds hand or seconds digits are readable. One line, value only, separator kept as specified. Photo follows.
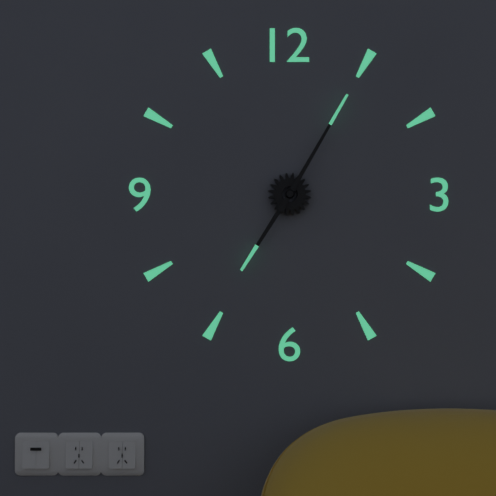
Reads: 7:05
